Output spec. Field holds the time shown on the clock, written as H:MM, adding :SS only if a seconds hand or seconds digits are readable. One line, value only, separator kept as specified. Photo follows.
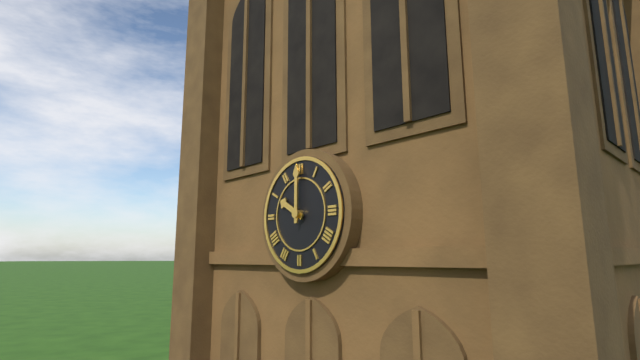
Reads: 10:00
